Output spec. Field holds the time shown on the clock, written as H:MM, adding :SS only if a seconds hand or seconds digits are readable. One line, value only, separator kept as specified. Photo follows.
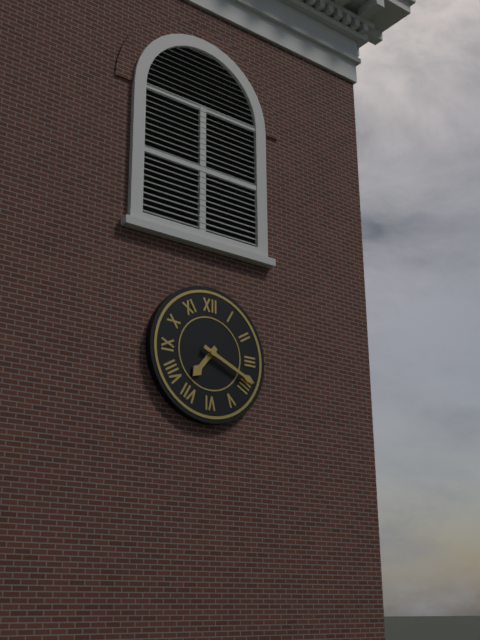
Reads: 7:19
